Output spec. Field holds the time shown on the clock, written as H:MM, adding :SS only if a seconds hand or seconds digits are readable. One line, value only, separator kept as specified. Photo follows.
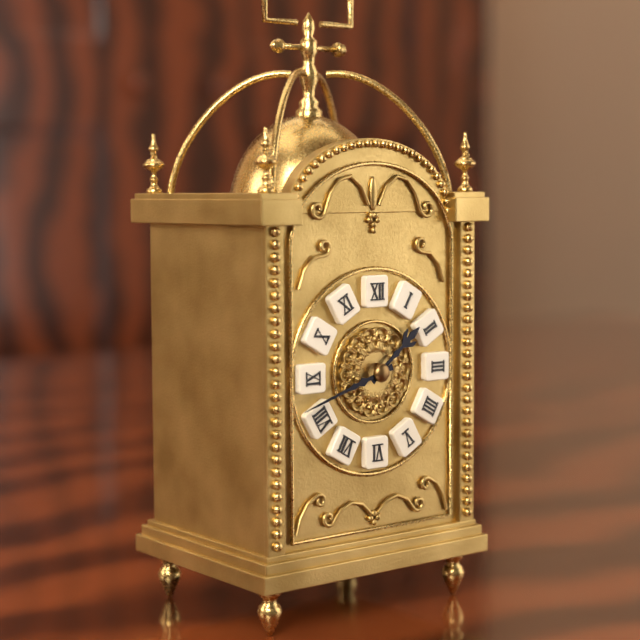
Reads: 1:42
